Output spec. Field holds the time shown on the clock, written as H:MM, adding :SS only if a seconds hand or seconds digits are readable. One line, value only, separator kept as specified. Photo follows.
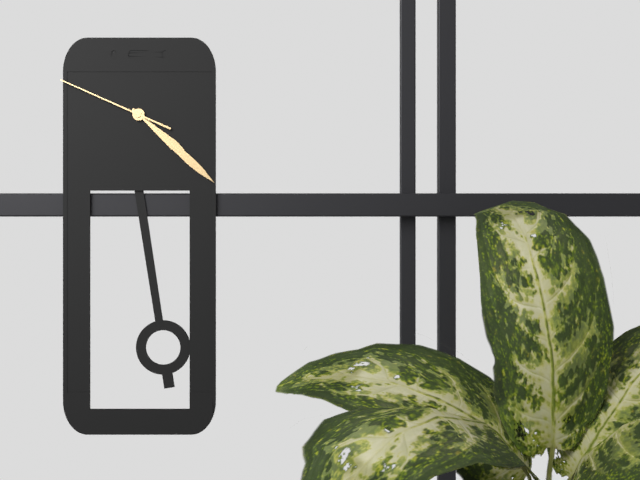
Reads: 4:22:49
